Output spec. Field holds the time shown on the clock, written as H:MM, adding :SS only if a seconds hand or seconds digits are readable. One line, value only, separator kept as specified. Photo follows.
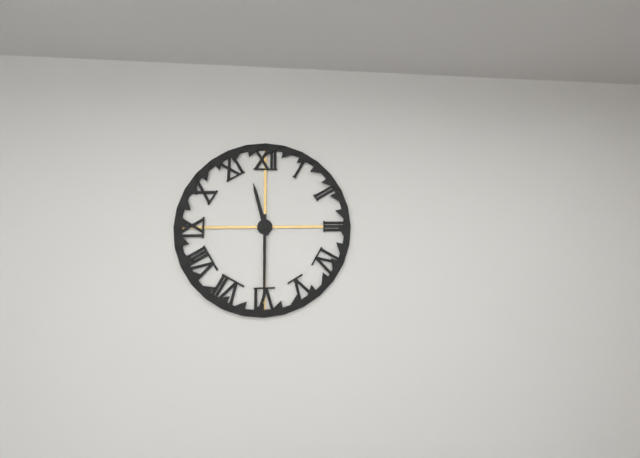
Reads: 11:30
